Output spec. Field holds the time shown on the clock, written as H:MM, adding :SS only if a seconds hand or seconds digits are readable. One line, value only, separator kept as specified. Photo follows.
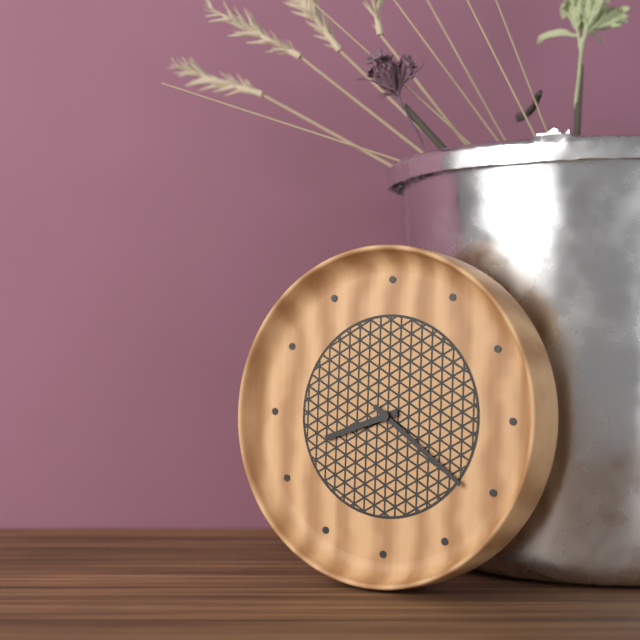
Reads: 8:21
